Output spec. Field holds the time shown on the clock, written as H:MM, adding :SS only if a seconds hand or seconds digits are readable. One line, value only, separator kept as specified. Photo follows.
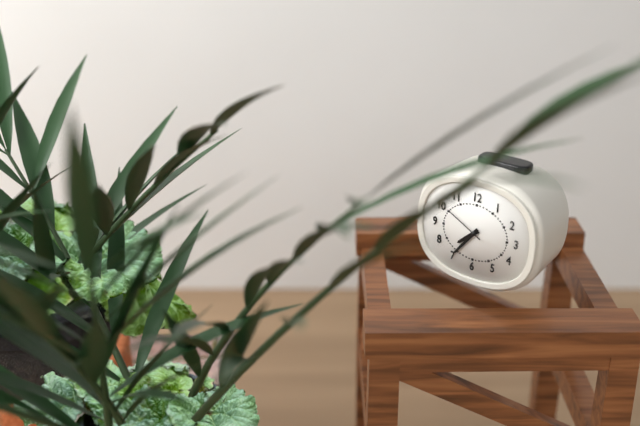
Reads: 7:36
